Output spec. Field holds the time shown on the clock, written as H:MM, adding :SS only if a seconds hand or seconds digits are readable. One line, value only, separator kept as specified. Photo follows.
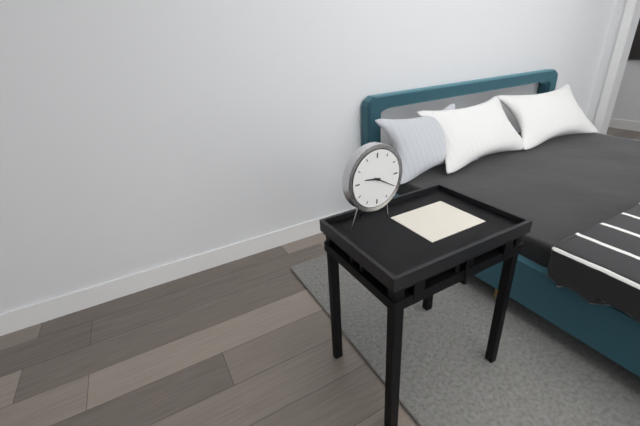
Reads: 9:20
